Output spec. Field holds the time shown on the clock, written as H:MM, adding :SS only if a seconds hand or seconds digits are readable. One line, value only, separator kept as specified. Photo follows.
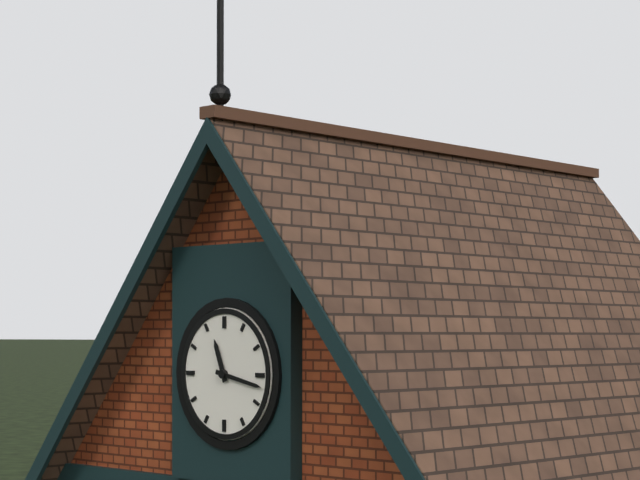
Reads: 11:17
